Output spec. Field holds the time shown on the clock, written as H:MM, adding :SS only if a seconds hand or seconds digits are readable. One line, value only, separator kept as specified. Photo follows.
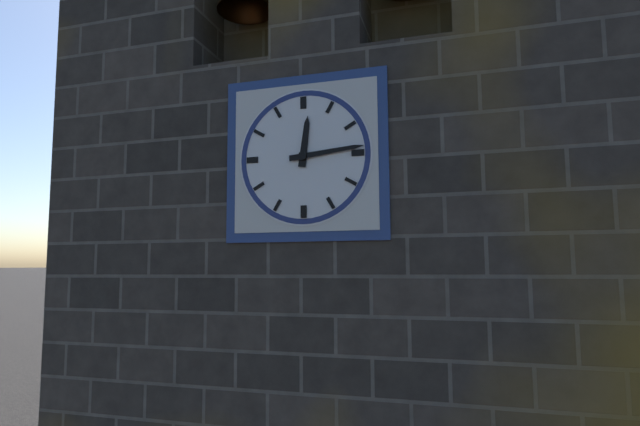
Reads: 12:14
